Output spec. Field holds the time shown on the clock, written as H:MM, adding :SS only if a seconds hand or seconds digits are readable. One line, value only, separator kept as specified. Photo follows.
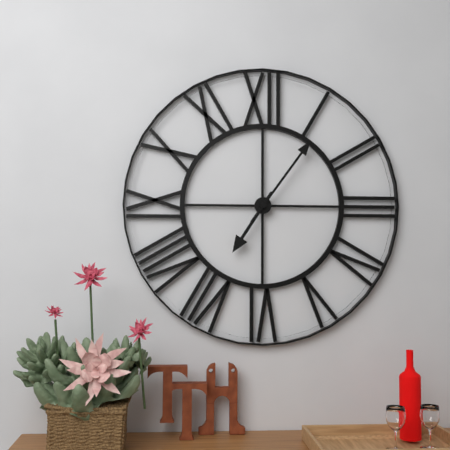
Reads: 7:06
